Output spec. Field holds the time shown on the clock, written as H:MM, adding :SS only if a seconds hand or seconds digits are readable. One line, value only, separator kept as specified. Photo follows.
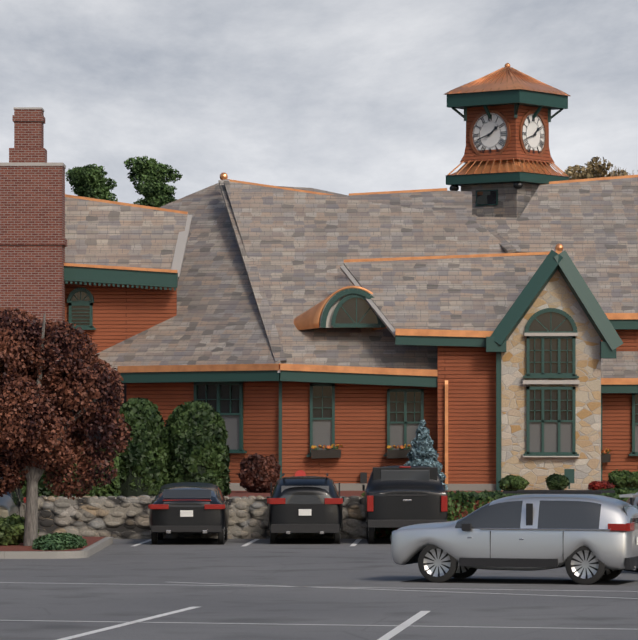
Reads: 1:42
